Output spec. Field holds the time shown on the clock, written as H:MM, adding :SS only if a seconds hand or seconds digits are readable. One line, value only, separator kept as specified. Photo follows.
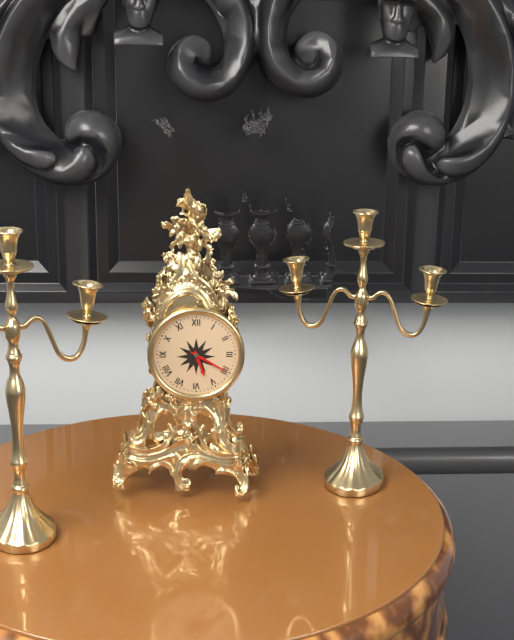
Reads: 5:20
